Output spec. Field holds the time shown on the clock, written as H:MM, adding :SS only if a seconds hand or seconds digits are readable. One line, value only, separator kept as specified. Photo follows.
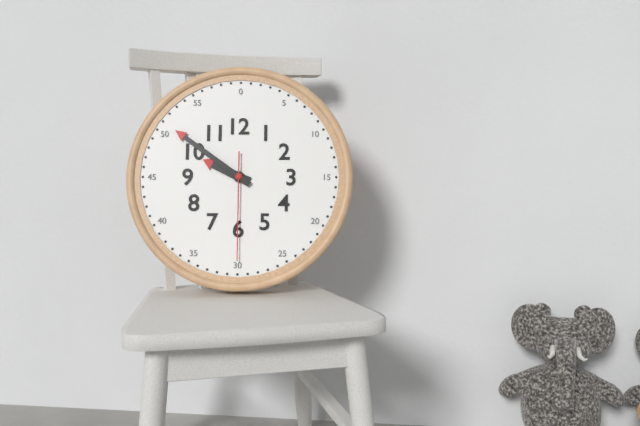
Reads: 9:51:30
